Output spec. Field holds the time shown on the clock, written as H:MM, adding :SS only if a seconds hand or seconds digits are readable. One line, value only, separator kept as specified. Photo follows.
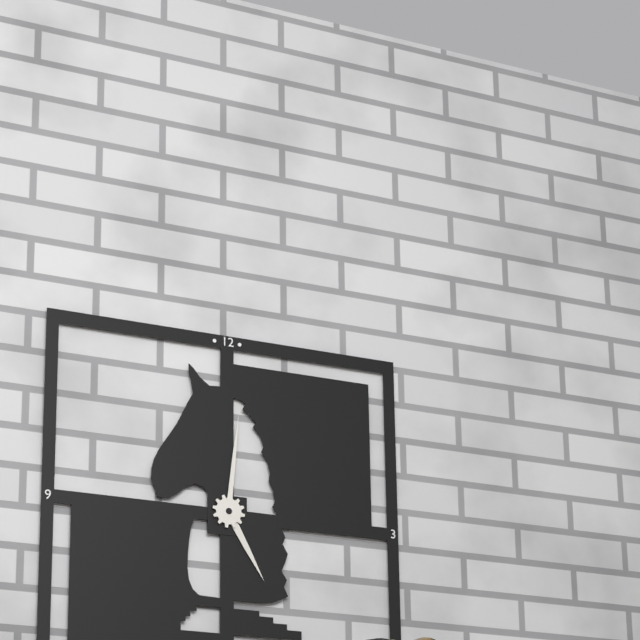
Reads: 5:01
